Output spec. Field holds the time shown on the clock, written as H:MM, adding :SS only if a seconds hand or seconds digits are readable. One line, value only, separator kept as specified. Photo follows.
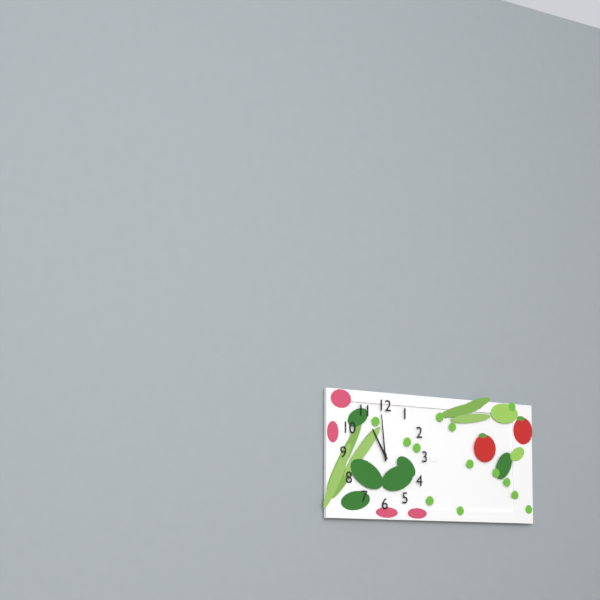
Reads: 10:59
